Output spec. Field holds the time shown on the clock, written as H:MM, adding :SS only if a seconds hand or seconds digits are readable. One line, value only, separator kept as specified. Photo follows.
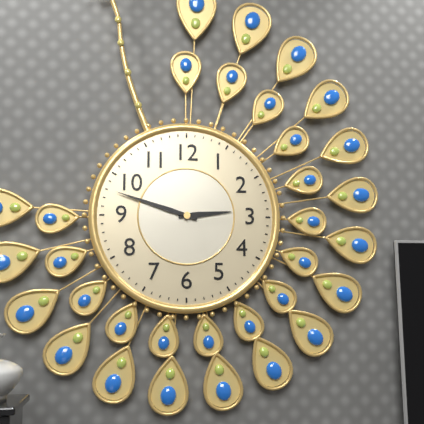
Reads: 2:48
